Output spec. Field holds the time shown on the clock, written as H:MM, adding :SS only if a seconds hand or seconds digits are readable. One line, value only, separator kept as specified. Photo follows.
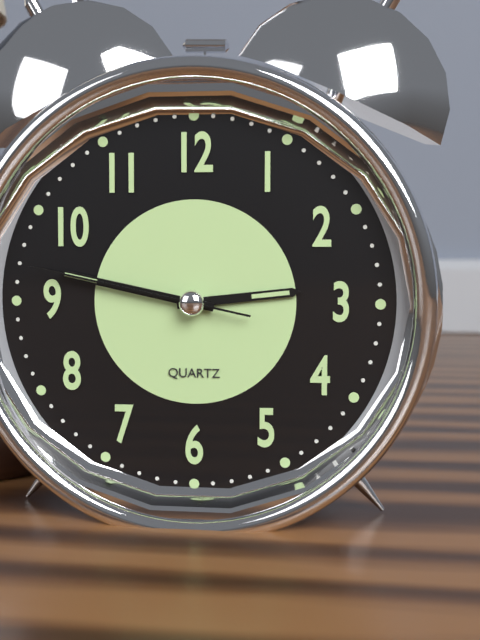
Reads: 2:47:47
